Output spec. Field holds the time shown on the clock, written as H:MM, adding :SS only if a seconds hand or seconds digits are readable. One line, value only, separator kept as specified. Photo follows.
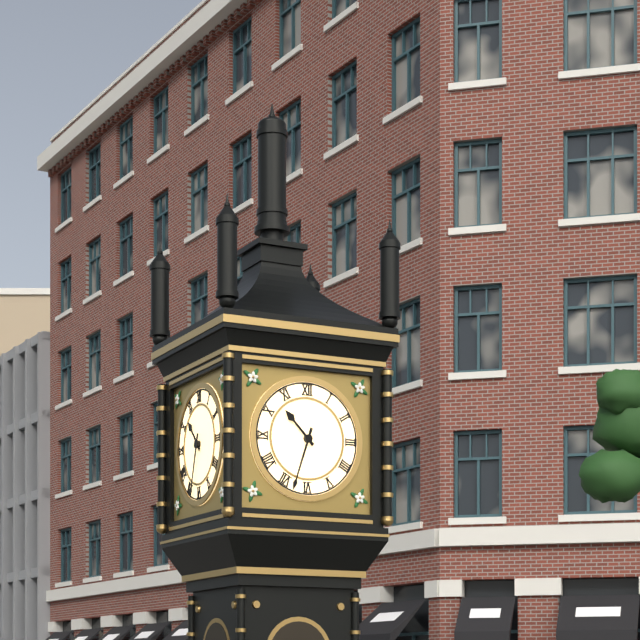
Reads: 10:33
